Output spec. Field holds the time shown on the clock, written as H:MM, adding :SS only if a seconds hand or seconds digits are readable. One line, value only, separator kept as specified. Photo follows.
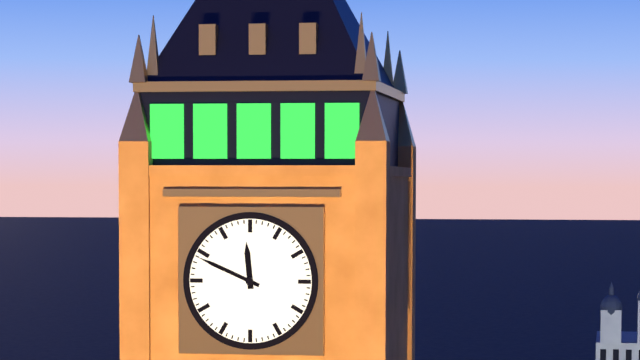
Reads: 11:49
